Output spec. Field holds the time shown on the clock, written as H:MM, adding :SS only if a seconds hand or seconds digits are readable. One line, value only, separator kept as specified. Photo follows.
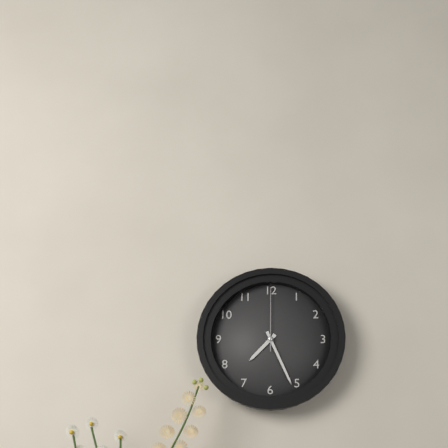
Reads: 7:26:00
